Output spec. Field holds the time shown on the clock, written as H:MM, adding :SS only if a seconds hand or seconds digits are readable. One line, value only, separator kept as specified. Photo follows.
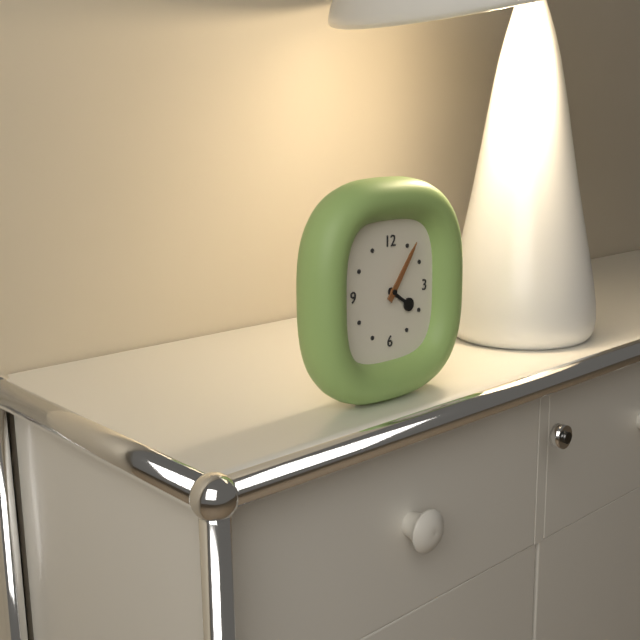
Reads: 4:06
